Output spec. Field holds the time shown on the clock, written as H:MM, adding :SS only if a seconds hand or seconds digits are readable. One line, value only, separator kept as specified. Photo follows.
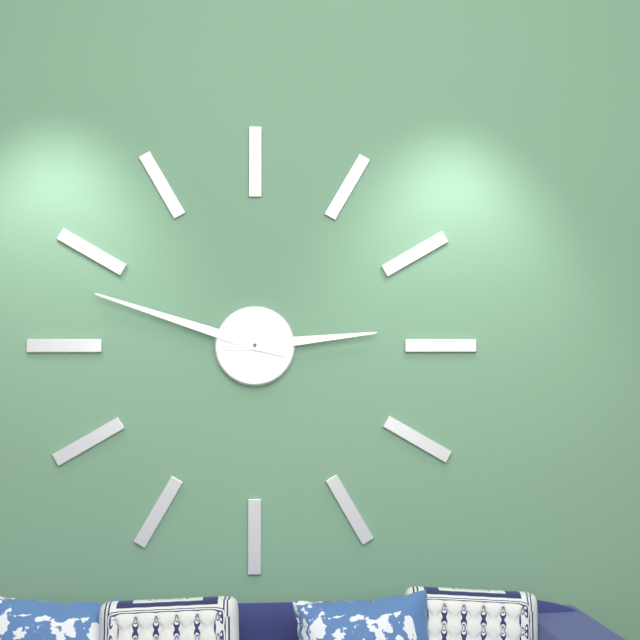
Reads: 2:48
